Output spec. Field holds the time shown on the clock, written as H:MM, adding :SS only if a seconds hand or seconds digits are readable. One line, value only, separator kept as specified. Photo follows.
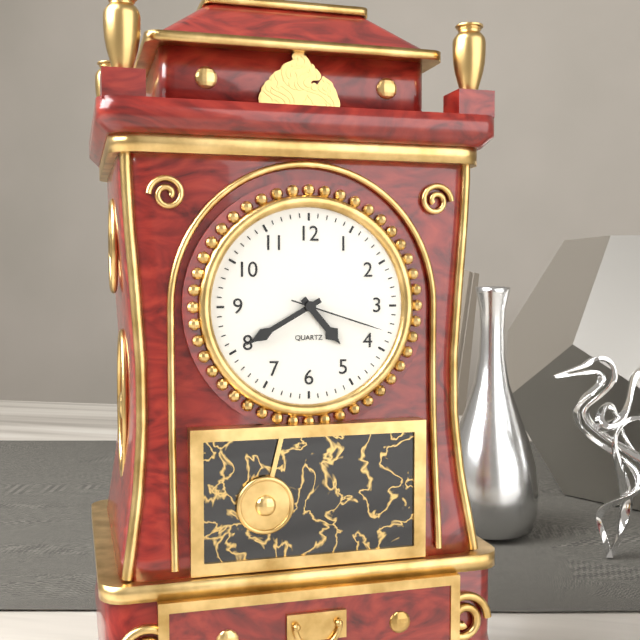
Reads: 4:40:18
